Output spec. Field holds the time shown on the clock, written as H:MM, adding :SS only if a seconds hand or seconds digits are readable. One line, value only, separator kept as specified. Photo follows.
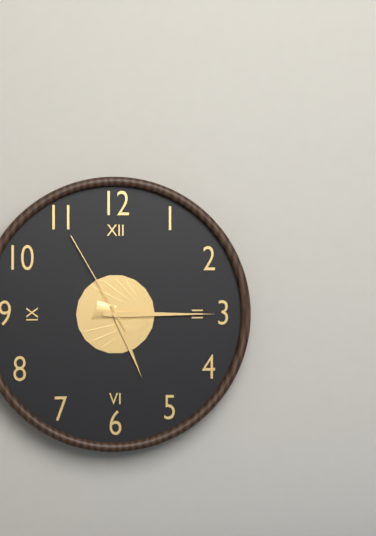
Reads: 5:15:55
